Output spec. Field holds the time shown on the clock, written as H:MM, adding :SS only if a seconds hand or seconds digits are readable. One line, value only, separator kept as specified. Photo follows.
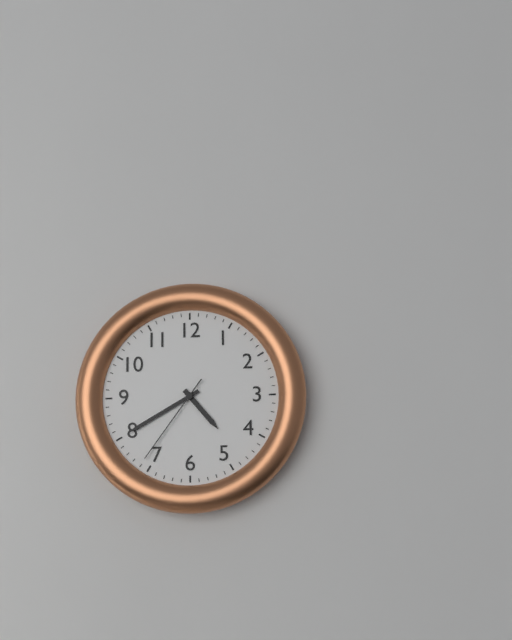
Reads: 4:40:36
